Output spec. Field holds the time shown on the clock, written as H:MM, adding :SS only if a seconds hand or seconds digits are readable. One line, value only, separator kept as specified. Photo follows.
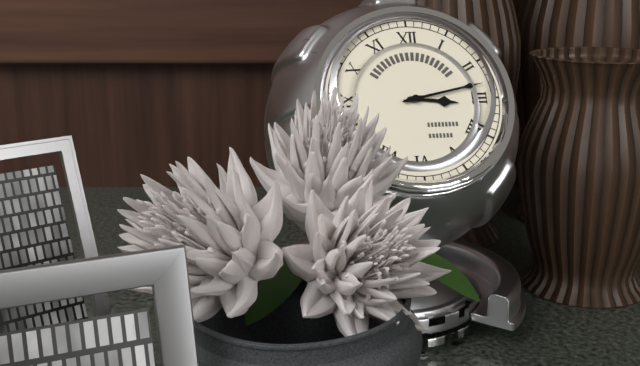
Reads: 3:13
